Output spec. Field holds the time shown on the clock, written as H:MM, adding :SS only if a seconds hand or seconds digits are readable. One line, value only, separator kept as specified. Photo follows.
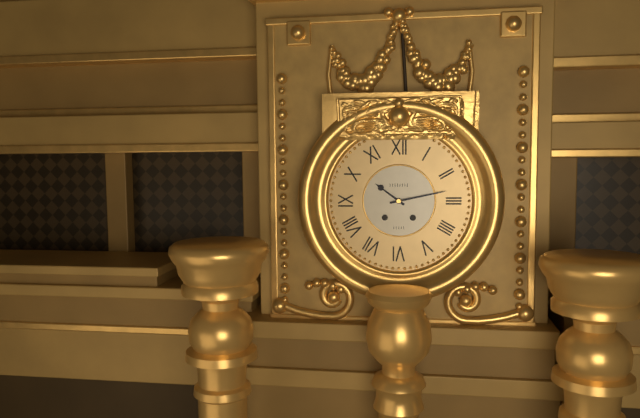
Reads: 10:13
